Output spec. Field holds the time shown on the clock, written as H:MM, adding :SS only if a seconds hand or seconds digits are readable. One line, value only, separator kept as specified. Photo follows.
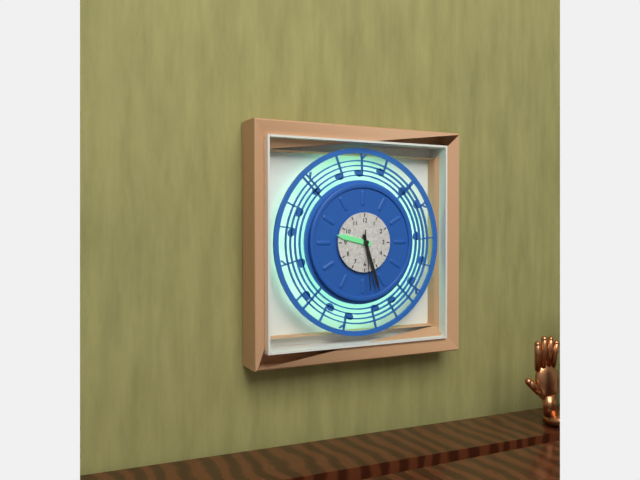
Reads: 9:27:29
